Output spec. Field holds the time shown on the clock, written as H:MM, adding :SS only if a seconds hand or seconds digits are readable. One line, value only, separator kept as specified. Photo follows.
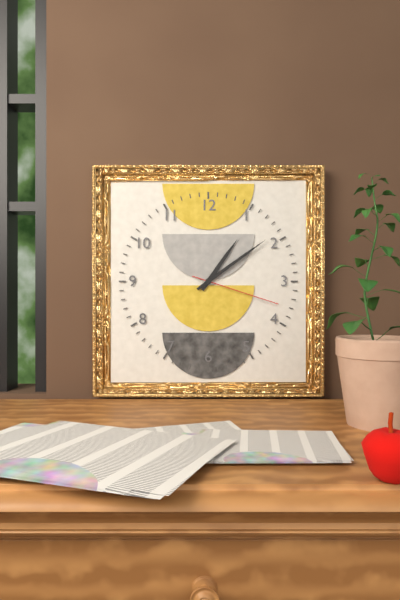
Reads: 1:09:18
